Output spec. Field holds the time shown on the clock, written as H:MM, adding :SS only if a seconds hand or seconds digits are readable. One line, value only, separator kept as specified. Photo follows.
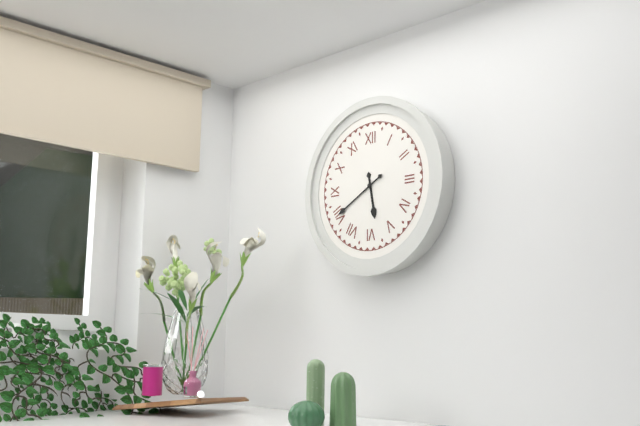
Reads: 5:40
